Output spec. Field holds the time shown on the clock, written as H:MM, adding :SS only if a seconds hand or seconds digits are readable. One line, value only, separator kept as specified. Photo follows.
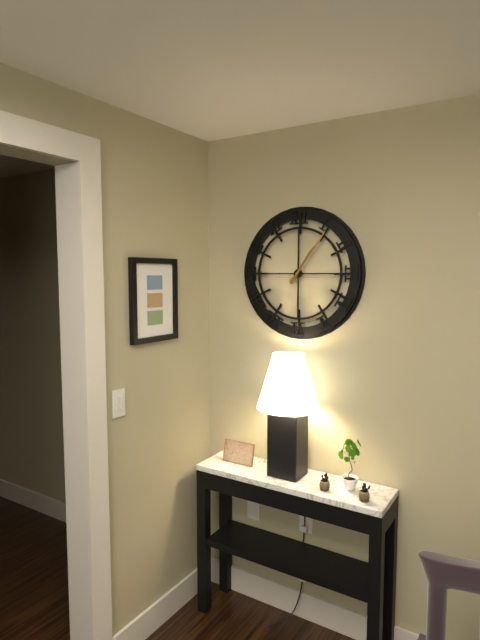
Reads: 1:06
